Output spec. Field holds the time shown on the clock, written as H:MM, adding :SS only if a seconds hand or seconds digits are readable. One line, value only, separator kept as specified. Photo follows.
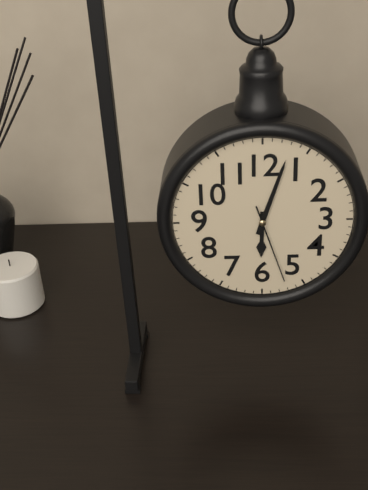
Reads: 6:03:27
